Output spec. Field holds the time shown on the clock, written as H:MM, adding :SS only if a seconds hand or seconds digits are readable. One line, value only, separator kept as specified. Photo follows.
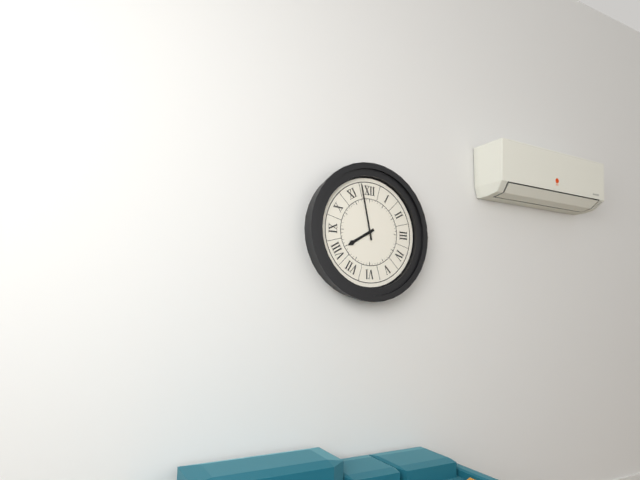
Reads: 7:58
